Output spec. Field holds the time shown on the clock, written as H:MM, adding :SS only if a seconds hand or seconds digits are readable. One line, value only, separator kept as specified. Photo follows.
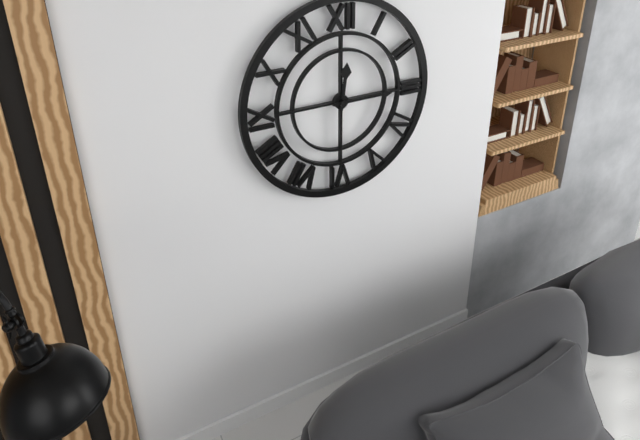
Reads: 12:15
